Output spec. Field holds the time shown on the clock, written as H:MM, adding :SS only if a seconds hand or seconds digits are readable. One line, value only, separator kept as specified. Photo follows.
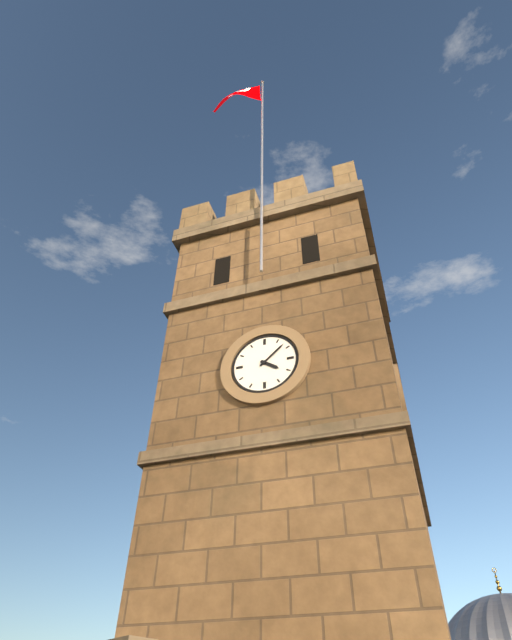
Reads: 4:08
